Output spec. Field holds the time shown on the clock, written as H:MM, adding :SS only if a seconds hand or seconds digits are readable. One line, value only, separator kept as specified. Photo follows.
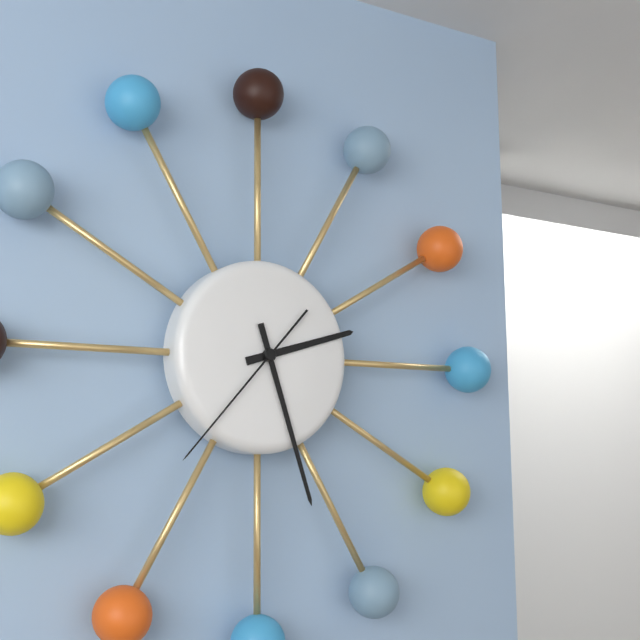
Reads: 2:27:37
